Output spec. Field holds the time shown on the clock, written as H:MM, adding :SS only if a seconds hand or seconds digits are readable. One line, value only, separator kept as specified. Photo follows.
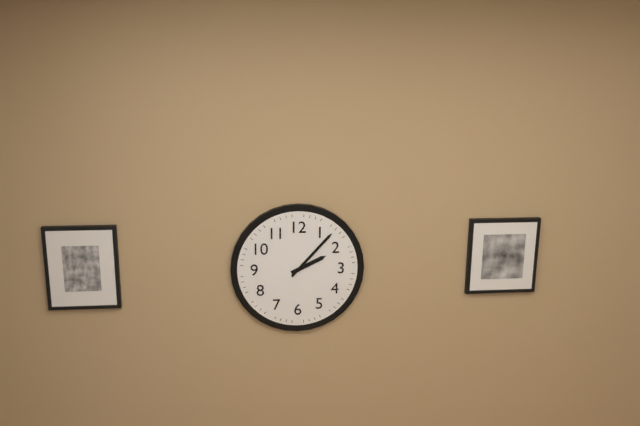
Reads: 2:07
